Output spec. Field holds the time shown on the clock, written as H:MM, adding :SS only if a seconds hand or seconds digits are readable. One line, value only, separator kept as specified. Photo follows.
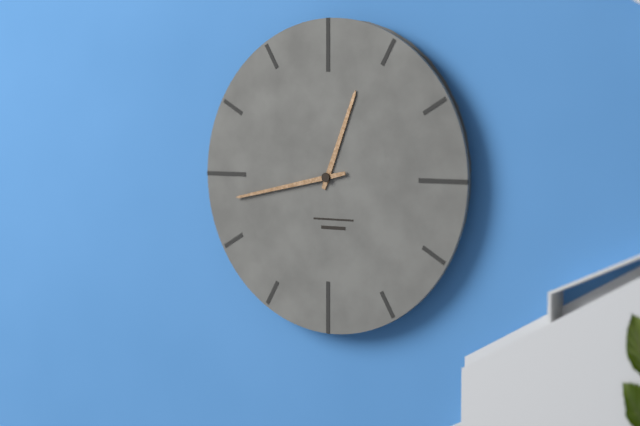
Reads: 12:43
